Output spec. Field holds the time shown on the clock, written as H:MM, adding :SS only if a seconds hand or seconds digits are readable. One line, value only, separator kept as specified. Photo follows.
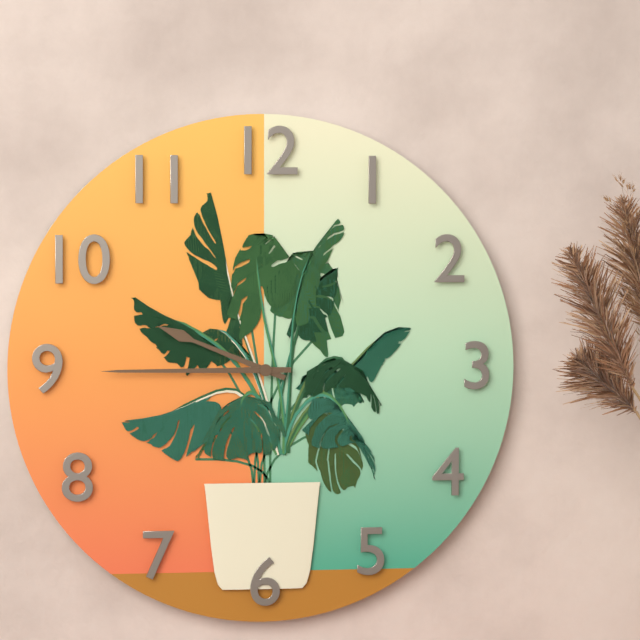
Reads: 9:45
